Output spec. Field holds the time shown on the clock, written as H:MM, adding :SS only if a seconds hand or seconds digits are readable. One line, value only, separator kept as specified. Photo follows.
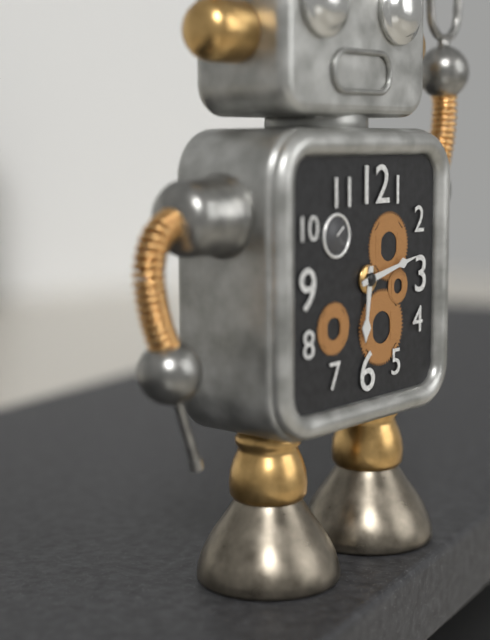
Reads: 6:13
